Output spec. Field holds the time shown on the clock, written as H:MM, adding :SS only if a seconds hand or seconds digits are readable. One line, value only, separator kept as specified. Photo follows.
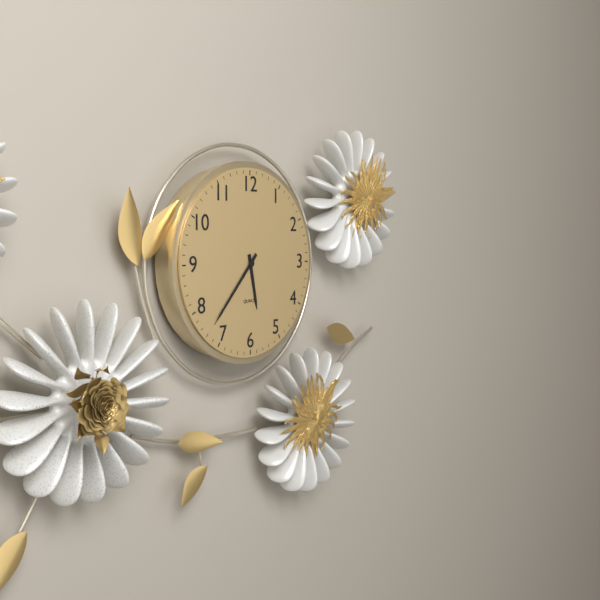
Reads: 5:37
